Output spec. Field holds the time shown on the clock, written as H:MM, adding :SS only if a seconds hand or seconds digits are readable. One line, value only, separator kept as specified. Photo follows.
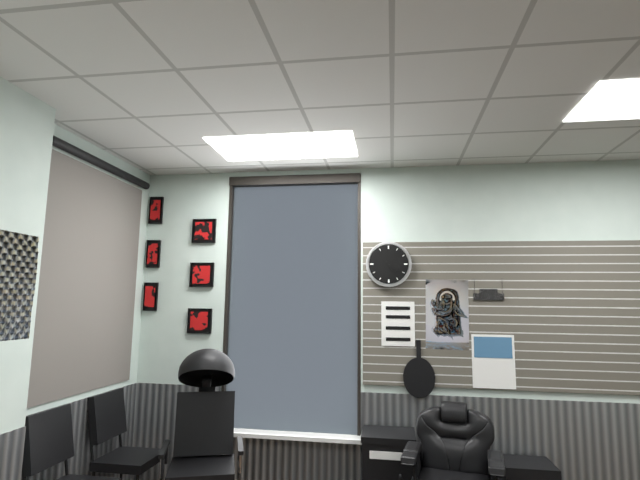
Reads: 4:24
